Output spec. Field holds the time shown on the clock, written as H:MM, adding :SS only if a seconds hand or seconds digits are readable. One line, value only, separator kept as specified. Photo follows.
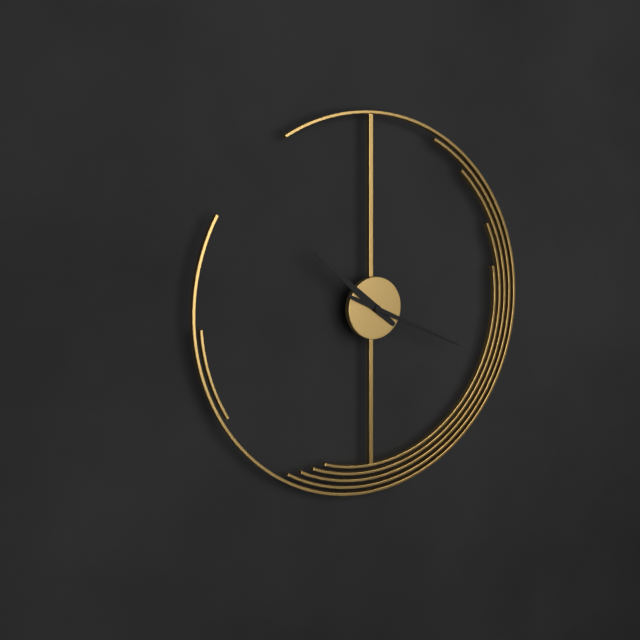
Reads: 10:19
